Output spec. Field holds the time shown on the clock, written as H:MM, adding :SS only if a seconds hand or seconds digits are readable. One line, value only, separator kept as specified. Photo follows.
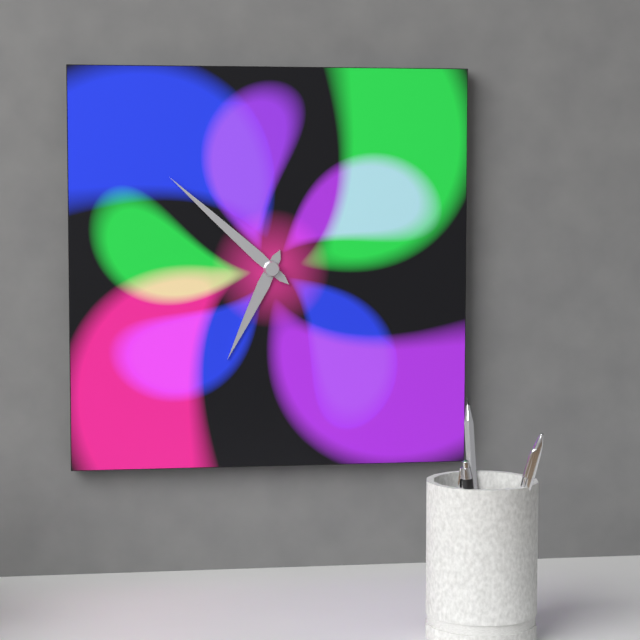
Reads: 6:52
